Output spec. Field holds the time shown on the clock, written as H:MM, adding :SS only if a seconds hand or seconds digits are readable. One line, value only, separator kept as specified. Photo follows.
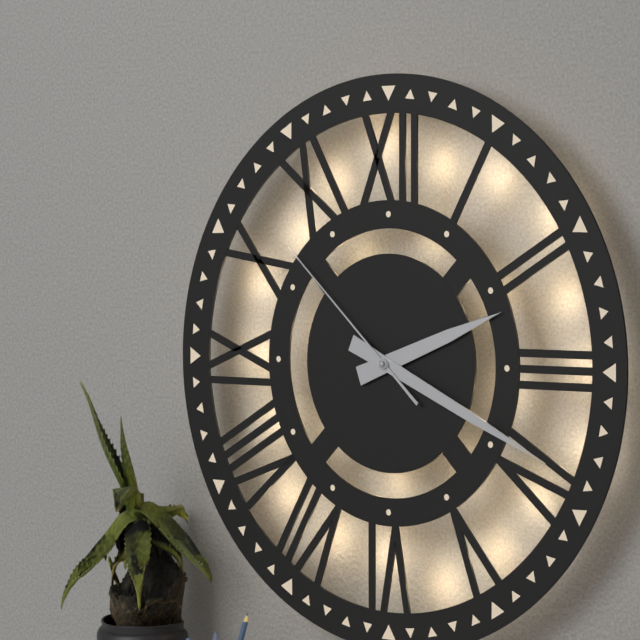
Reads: 2:19:52
